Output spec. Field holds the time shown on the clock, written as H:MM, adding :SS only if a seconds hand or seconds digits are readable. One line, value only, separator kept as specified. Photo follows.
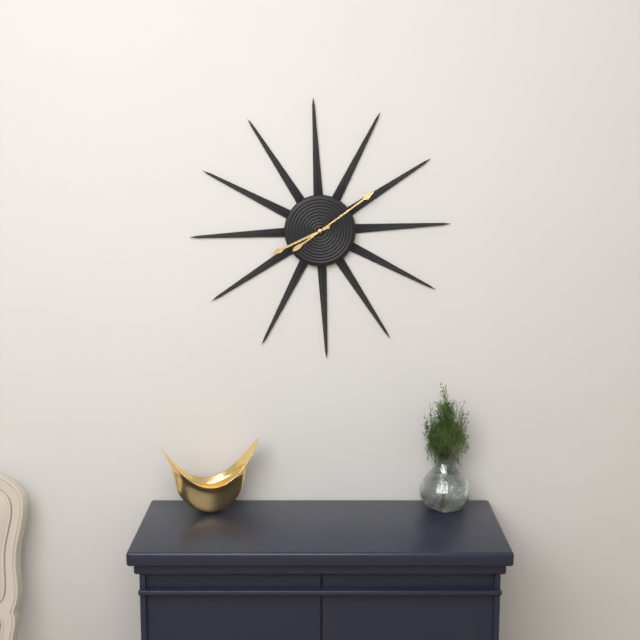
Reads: 8:09
